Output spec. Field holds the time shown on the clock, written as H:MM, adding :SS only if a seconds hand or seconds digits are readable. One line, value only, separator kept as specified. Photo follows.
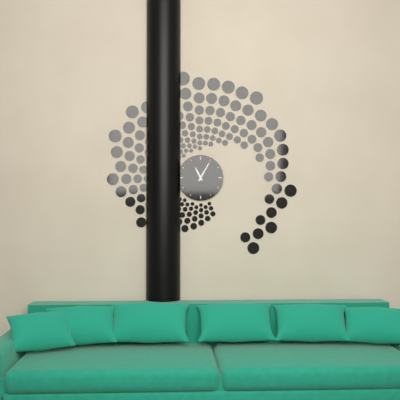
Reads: 11:05
